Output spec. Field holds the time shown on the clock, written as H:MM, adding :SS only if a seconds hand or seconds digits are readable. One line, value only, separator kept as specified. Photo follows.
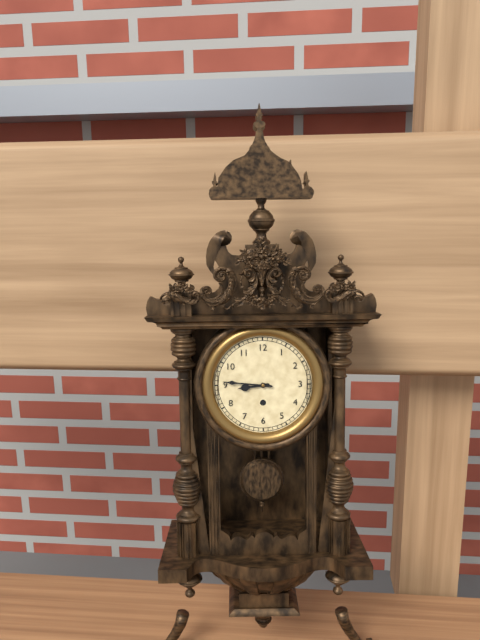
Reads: 8:46
